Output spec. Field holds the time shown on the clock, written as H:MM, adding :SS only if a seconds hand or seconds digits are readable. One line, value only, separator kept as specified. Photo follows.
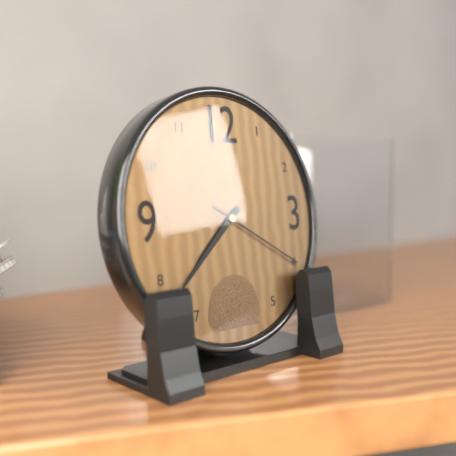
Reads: 7:38:20
